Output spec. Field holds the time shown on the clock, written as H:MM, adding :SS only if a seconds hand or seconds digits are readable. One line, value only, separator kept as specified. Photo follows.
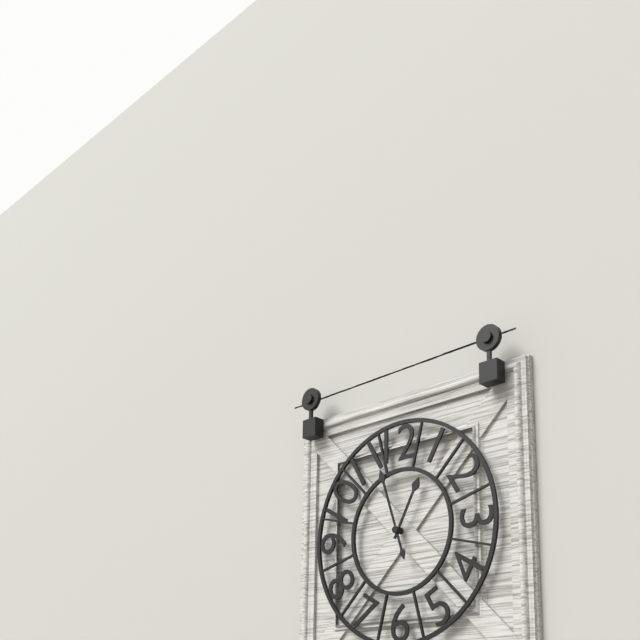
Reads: 12:57
